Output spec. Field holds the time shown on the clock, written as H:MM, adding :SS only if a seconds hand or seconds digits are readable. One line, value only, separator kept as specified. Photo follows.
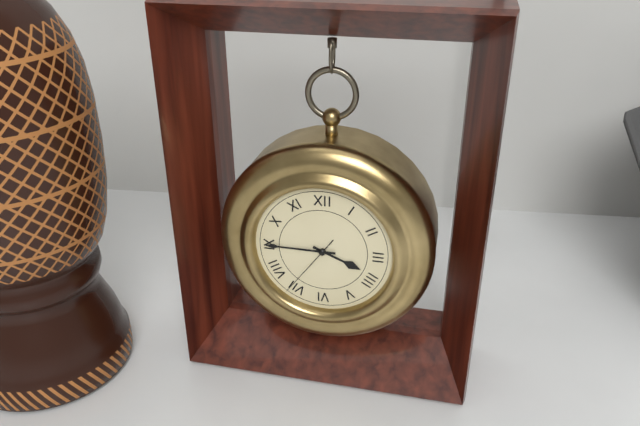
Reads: 3:45:36
